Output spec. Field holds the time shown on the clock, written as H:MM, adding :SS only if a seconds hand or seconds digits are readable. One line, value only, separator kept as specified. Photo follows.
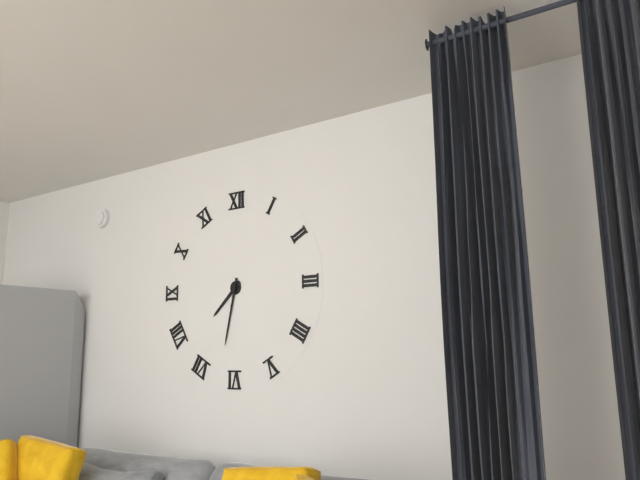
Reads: 7:32
